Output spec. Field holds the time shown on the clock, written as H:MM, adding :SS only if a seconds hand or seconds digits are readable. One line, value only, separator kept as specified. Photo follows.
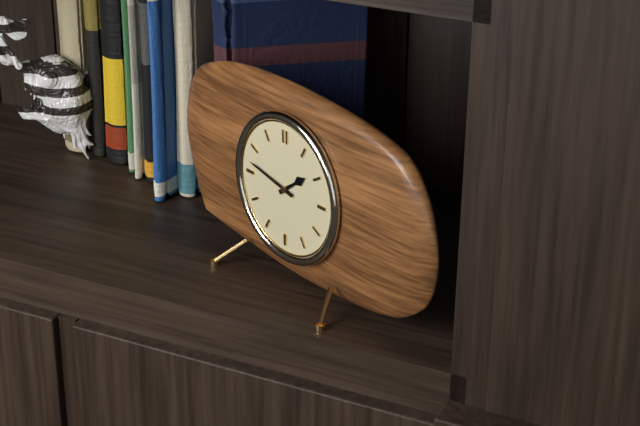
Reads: 1:47
